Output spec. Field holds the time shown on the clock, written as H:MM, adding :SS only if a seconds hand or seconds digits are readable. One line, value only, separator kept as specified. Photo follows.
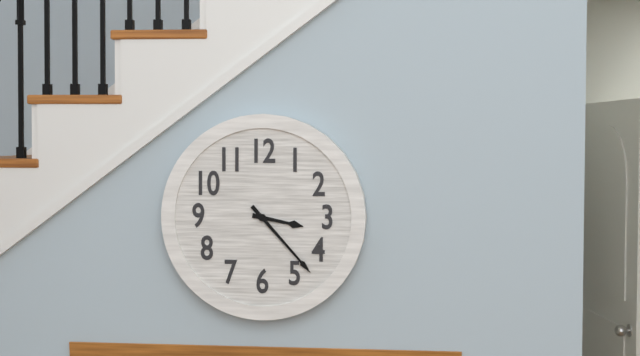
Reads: 3:23
